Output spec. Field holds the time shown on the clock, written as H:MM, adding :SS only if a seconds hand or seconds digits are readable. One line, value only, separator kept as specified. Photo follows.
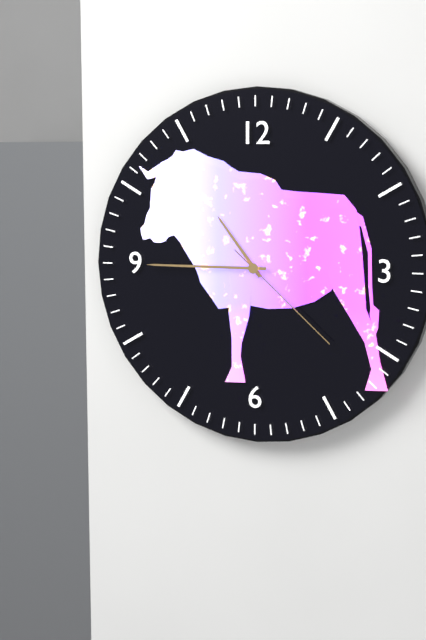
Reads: 10:45:22
